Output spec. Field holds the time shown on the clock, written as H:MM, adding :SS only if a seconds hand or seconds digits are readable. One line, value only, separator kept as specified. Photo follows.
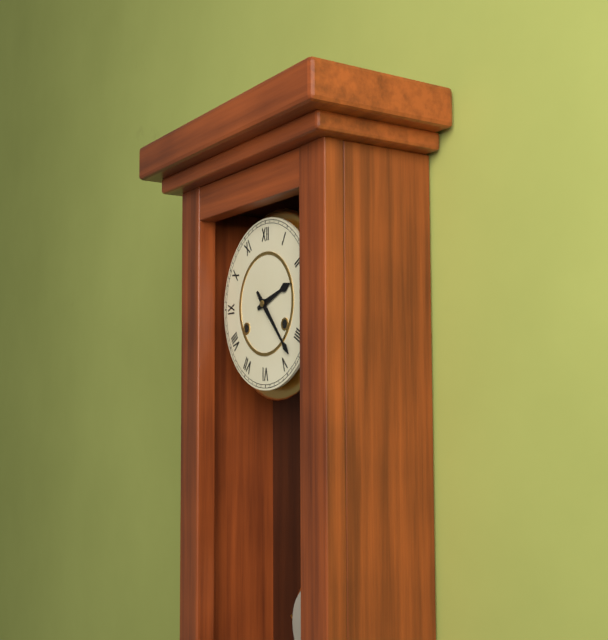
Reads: 2:23
